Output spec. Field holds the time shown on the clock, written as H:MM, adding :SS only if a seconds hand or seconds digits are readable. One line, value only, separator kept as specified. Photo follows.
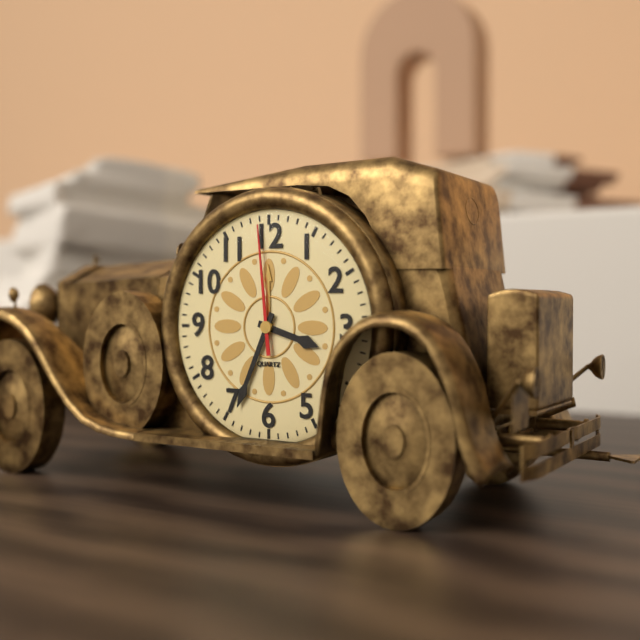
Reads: 3:34:59
